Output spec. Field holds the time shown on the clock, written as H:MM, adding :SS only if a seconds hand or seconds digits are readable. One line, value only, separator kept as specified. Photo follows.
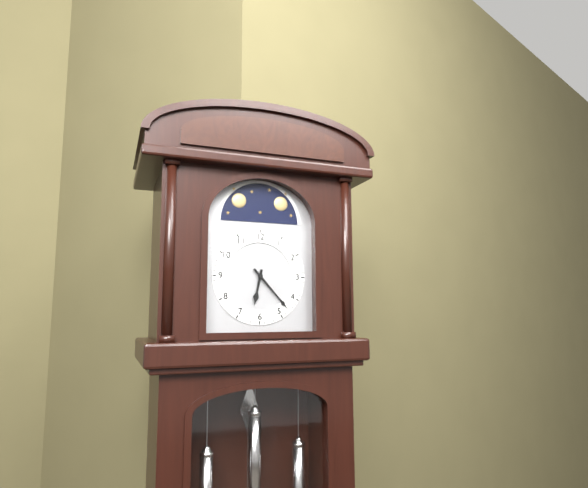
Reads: 6:23
